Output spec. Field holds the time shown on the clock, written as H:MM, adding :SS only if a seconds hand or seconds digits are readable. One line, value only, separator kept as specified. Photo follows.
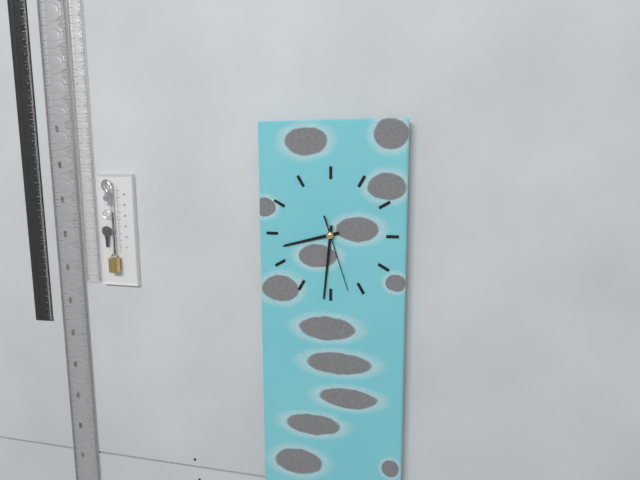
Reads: 8:31:27
